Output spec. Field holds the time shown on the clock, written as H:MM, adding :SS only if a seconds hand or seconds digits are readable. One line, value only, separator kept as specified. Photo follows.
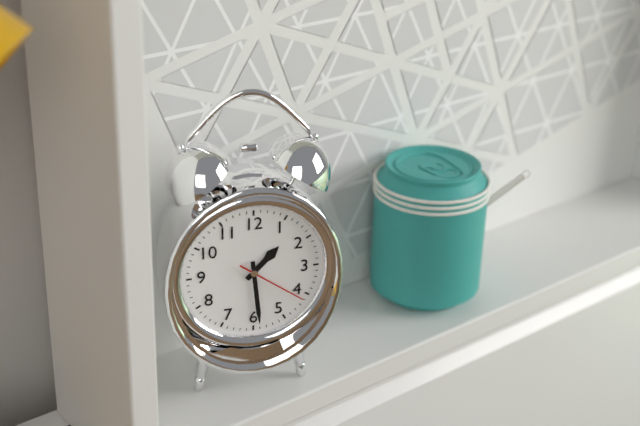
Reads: 1:29:21
